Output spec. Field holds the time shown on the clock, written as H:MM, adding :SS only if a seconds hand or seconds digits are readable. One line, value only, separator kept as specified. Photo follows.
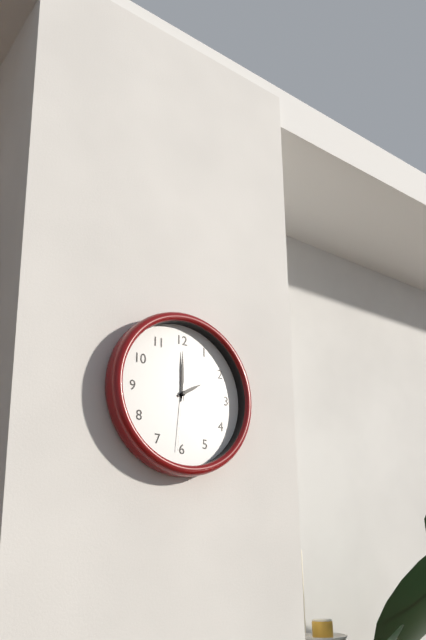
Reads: 2:00:31
